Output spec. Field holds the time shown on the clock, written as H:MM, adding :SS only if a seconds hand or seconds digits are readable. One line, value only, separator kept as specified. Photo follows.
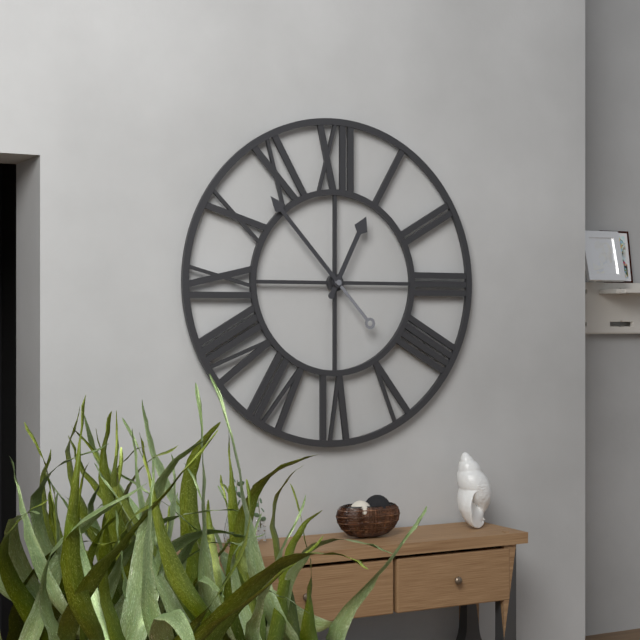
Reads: 12:53
